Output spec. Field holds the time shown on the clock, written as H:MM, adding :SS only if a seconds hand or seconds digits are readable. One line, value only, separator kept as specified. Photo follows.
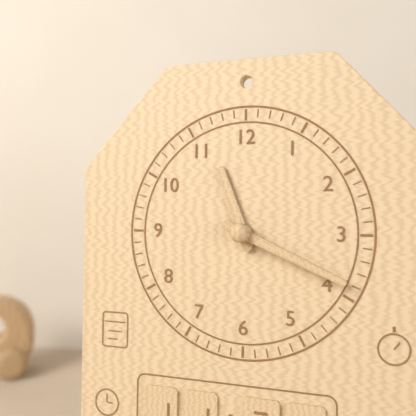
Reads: 11:19
